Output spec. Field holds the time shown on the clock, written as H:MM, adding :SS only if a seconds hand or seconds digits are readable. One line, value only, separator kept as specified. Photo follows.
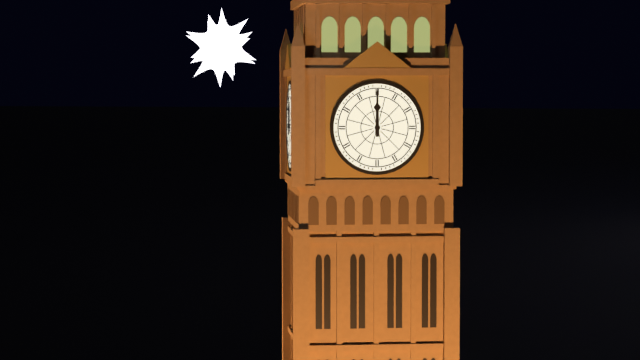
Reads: 12:00
